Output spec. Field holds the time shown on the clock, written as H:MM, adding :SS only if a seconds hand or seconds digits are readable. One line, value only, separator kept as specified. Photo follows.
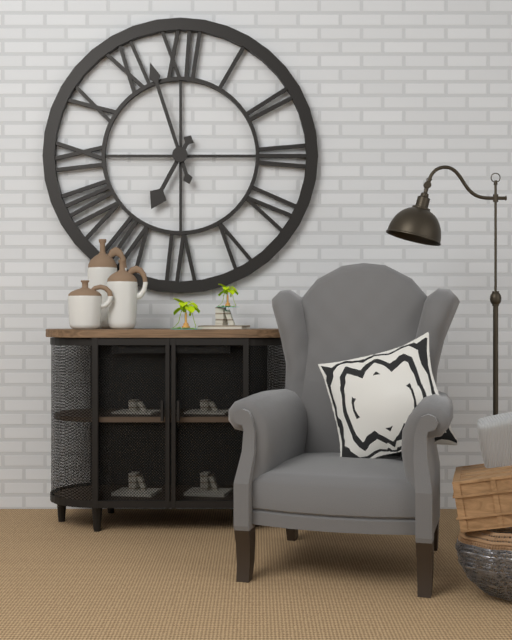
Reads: 6:57
